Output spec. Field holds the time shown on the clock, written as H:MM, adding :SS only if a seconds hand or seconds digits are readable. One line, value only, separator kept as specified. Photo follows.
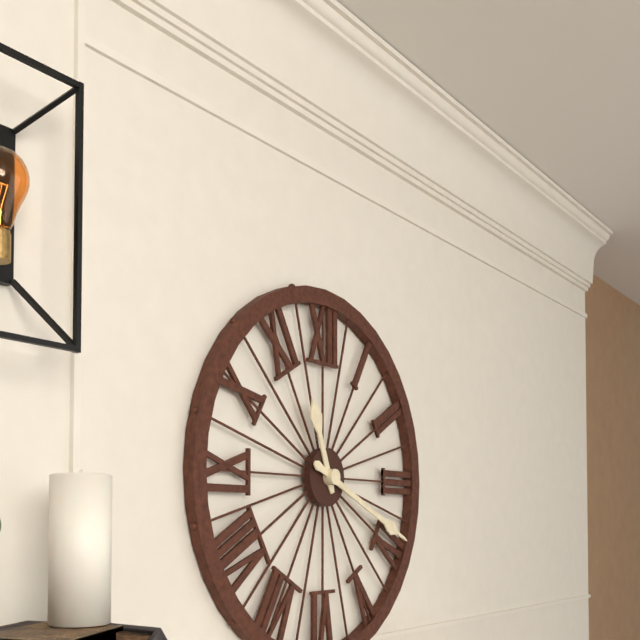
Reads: 11:19
